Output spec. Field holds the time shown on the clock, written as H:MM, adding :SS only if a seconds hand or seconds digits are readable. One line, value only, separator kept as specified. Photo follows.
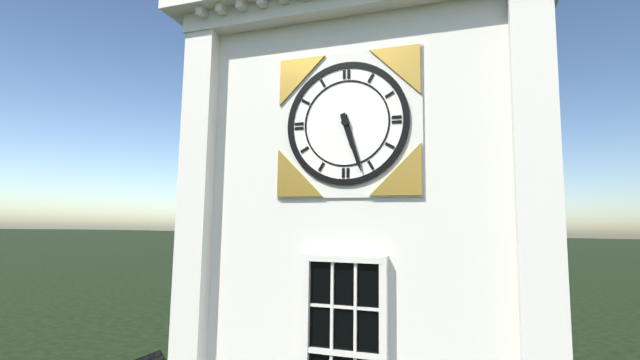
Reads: 5:27
